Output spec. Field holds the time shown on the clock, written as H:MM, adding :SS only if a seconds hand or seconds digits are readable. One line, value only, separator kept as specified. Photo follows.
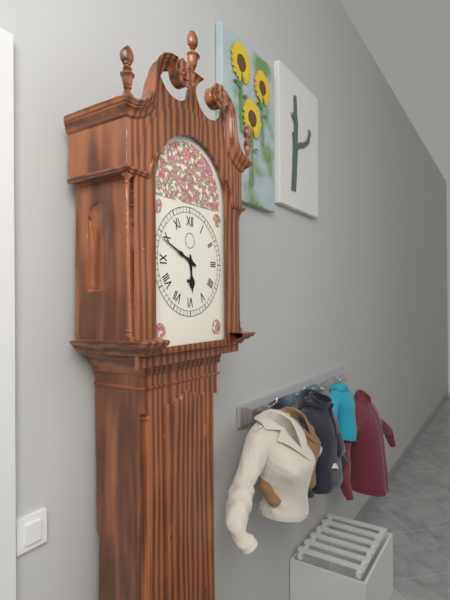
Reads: 5:49
